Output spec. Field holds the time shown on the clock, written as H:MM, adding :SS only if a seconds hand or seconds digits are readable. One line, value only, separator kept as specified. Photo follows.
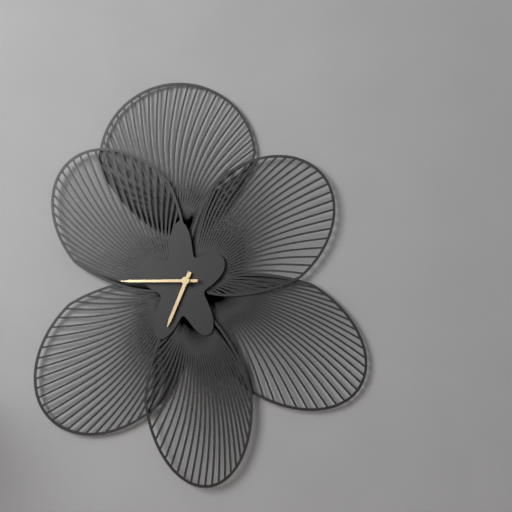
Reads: 6:45
